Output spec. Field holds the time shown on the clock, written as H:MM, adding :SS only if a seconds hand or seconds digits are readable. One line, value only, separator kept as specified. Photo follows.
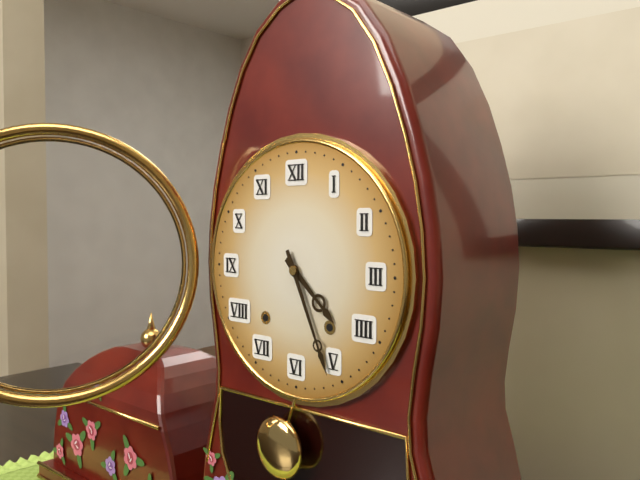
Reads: 4:26
